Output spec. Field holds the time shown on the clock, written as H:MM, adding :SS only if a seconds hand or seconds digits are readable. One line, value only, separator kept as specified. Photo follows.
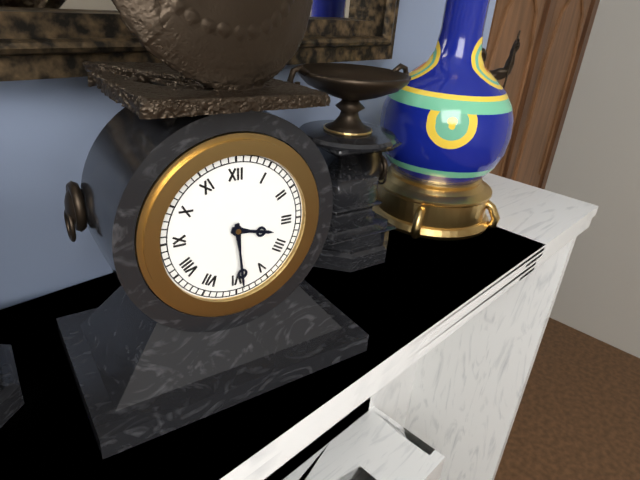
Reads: 3:29
